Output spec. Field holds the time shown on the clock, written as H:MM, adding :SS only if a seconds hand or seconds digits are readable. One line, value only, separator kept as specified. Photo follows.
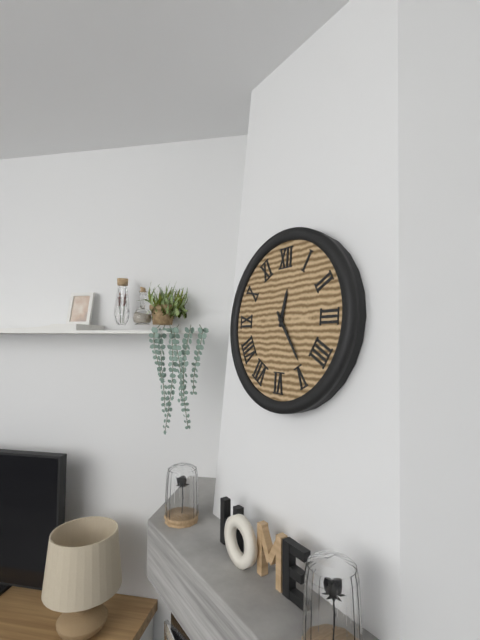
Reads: 12:24
